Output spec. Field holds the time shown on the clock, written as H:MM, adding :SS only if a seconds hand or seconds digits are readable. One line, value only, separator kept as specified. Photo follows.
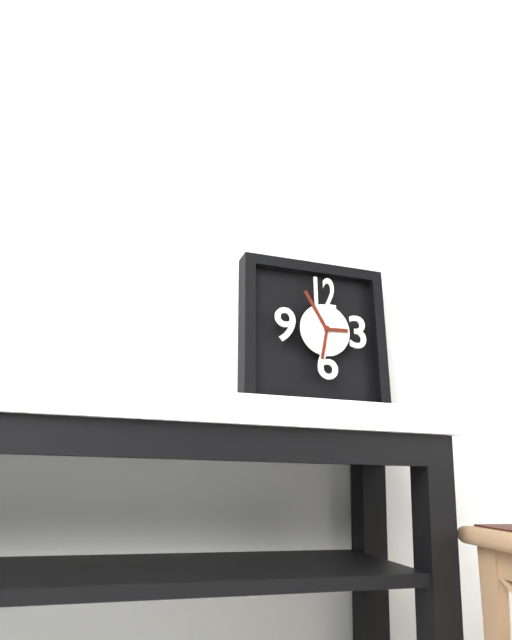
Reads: 2:55
